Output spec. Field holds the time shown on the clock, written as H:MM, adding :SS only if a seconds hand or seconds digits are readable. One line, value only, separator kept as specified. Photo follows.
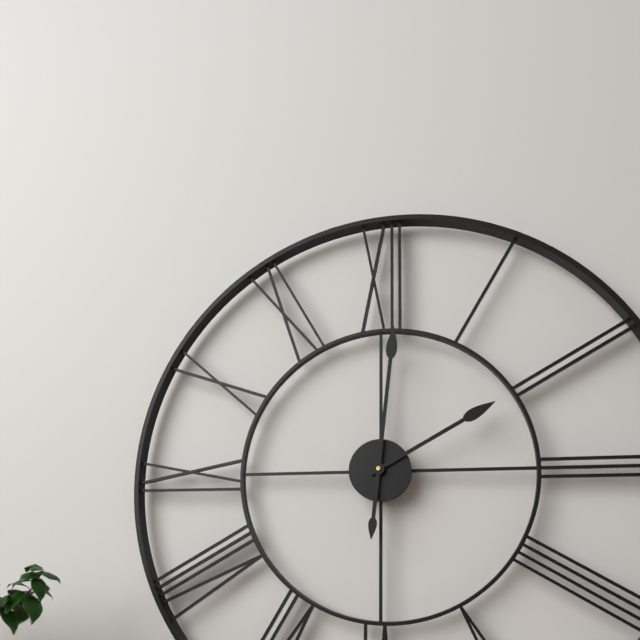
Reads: 2:01
